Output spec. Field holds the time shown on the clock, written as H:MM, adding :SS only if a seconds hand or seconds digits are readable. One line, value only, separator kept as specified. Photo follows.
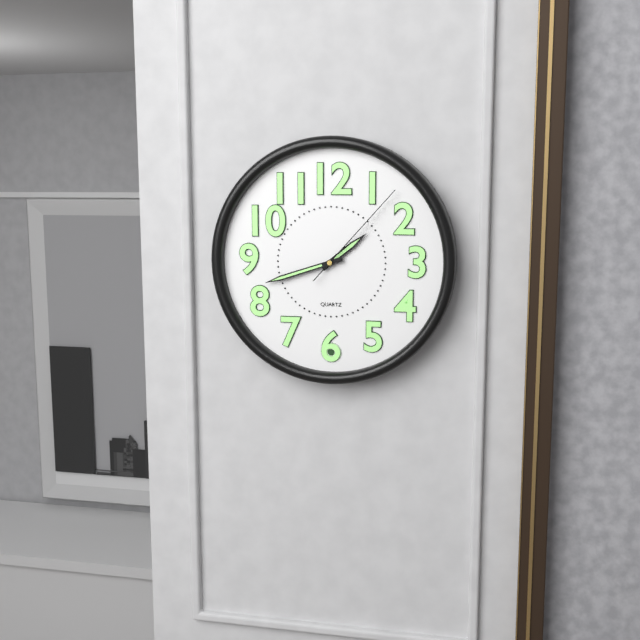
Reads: 1:42:07
